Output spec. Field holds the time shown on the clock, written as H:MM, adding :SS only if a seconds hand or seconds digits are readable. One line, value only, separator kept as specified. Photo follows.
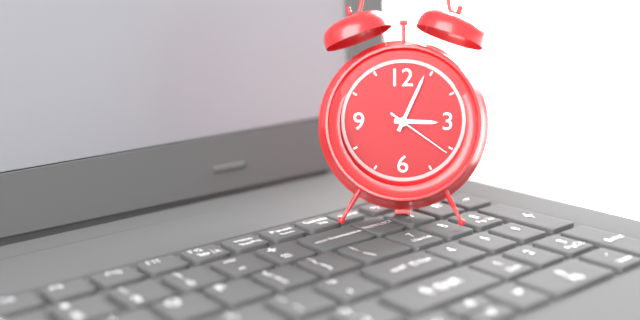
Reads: 3:04:21
